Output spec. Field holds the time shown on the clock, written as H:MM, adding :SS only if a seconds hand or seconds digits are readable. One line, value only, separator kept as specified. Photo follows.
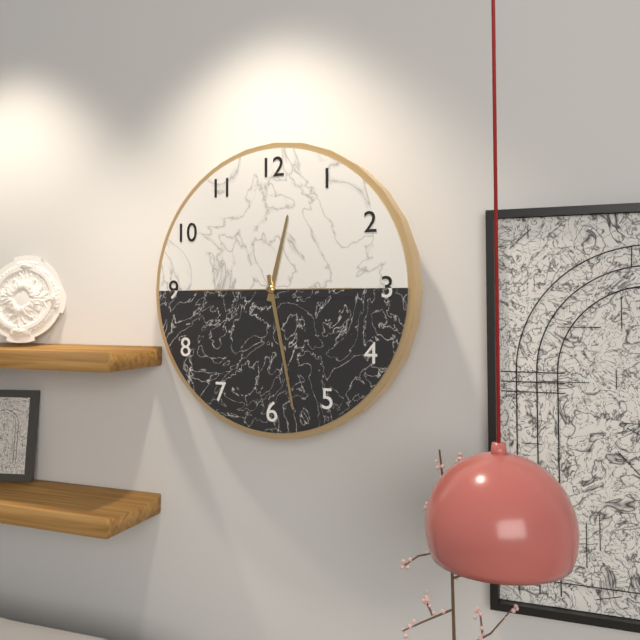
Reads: 12:28:45
